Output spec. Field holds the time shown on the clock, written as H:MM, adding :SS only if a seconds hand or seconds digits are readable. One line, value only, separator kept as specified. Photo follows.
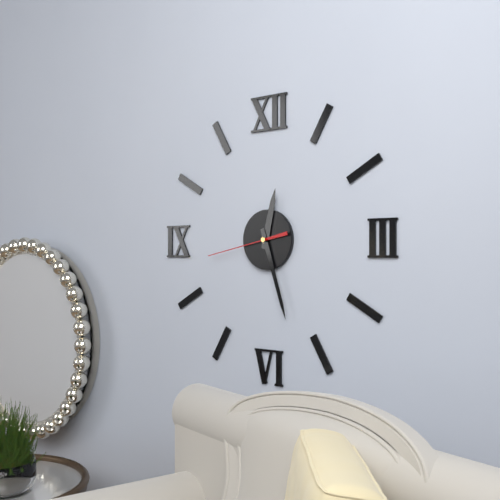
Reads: 12:27:43
